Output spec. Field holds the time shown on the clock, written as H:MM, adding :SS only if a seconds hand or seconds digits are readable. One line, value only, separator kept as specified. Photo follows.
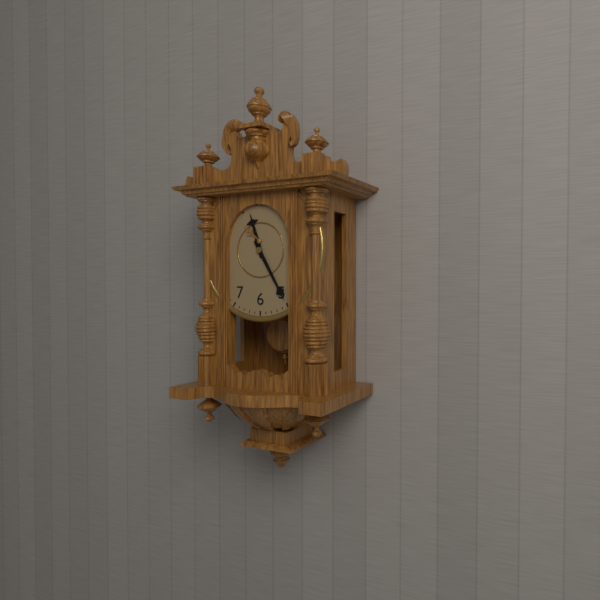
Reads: 11:25
